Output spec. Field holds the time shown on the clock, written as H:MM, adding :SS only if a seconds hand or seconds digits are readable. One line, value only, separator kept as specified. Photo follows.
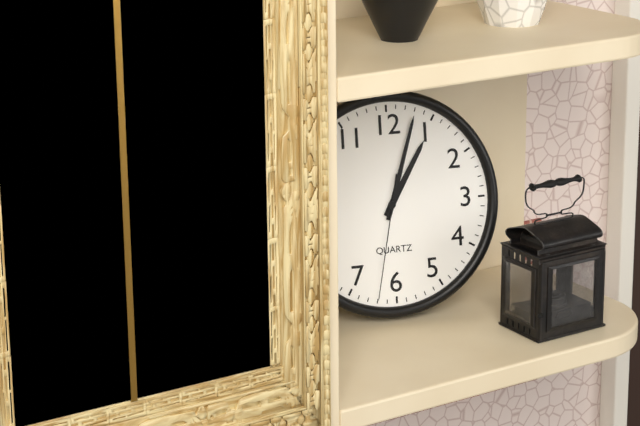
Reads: 1:03:32
